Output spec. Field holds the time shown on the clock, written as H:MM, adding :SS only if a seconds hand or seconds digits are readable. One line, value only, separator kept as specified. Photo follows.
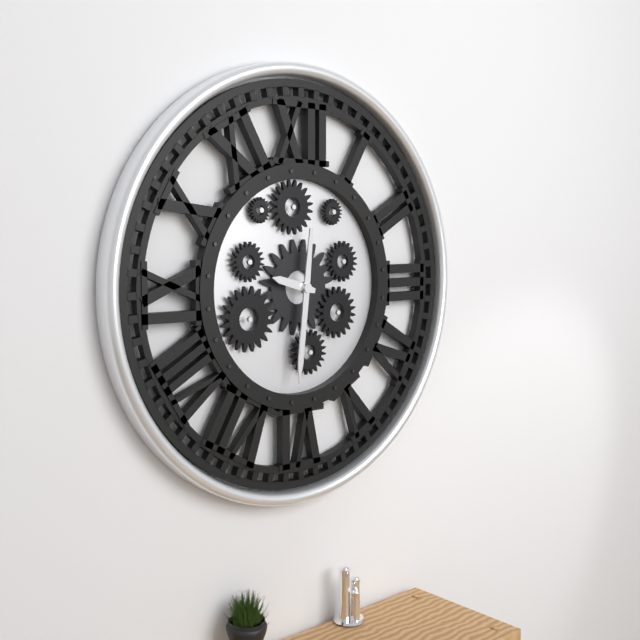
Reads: 9:31
